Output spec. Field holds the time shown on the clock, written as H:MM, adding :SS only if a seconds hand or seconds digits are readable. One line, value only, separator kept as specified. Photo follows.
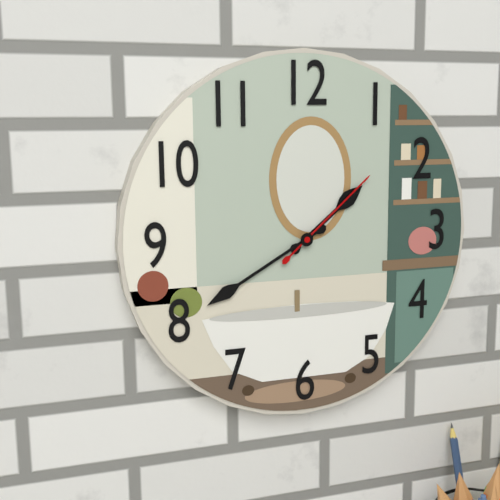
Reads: 1:40:08
